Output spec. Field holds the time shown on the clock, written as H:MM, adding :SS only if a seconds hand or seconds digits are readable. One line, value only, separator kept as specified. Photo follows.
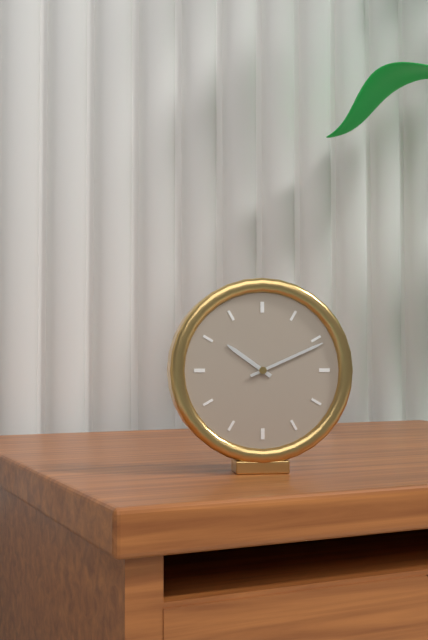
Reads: 10:11
